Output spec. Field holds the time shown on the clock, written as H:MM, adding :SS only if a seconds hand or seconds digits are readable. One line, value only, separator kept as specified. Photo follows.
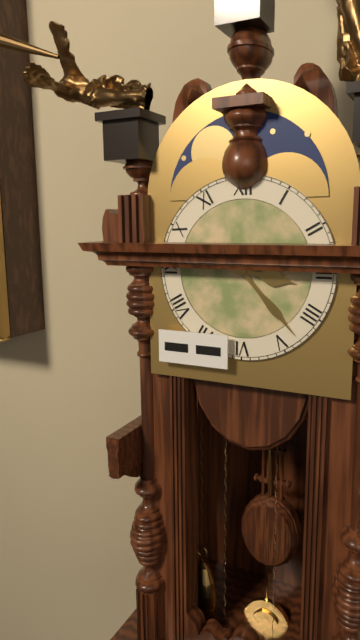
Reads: 3:23
